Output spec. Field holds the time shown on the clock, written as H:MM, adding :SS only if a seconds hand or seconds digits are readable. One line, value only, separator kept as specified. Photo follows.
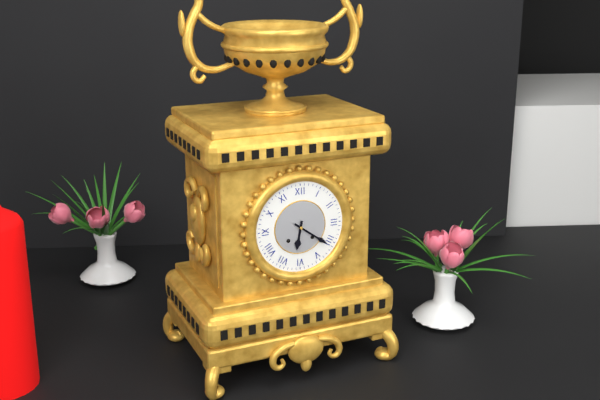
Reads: 6:21
